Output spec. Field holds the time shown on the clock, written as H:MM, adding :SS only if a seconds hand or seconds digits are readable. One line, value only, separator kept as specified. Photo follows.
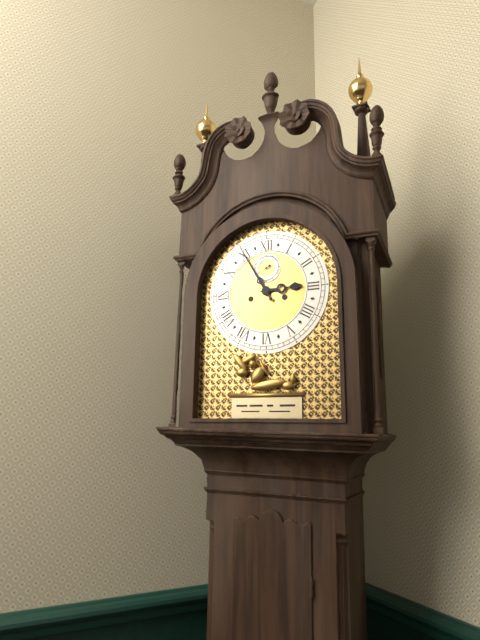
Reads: 2:55
